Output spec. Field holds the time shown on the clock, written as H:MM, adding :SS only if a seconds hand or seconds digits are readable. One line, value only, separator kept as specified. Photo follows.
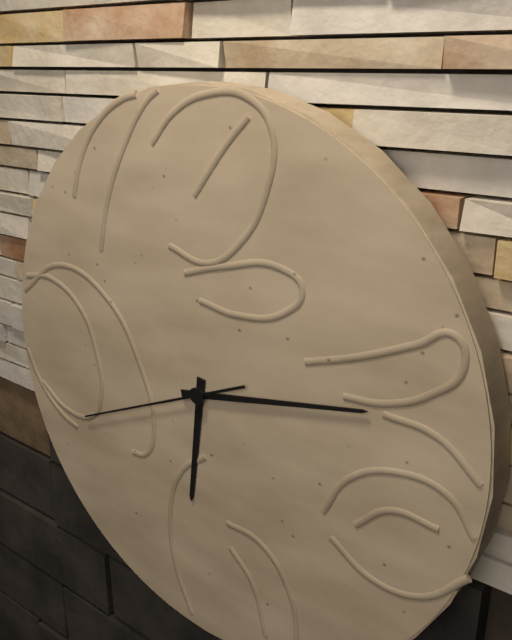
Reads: 6:13:41
